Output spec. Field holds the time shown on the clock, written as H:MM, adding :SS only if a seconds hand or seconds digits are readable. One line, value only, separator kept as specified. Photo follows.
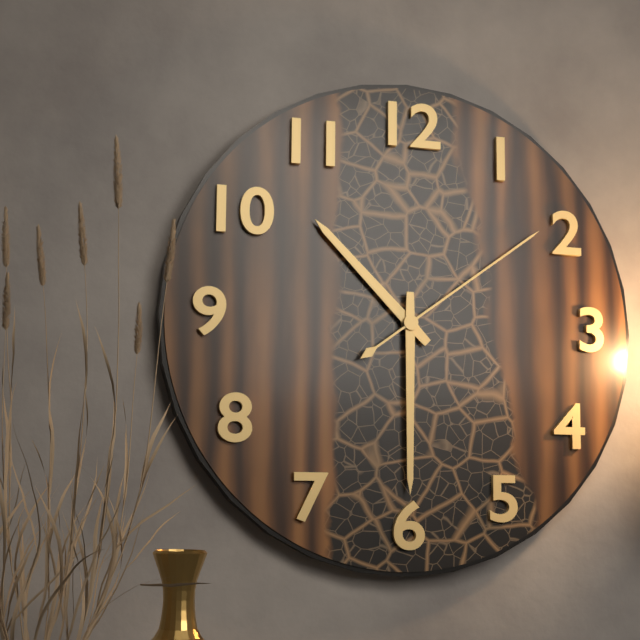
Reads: 10:30:09
